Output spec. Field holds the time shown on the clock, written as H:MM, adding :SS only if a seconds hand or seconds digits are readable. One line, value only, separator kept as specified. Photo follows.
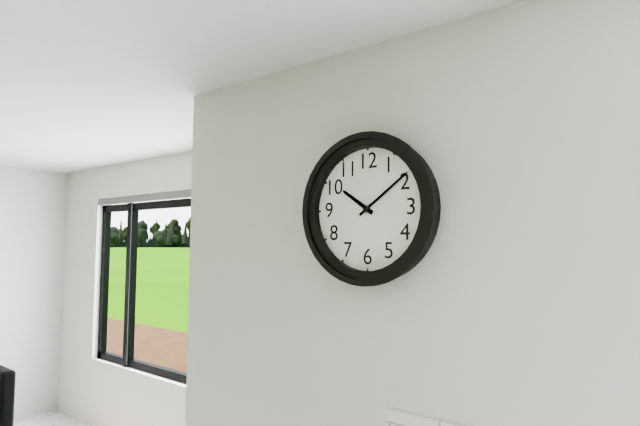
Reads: 10:09
